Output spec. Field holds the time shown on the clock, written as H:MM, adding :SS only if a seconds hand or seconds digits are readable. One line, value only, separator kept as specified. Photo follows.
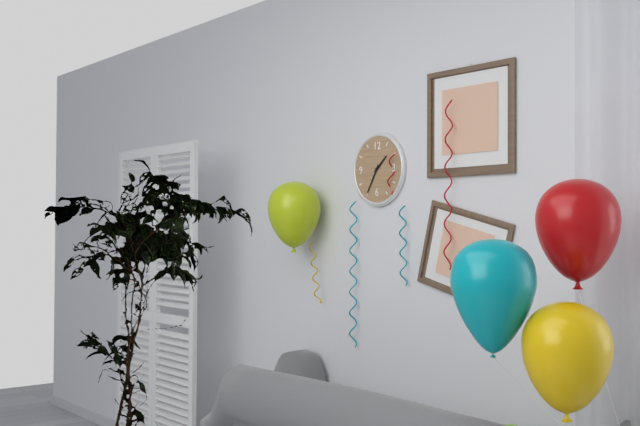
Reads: 1:35
